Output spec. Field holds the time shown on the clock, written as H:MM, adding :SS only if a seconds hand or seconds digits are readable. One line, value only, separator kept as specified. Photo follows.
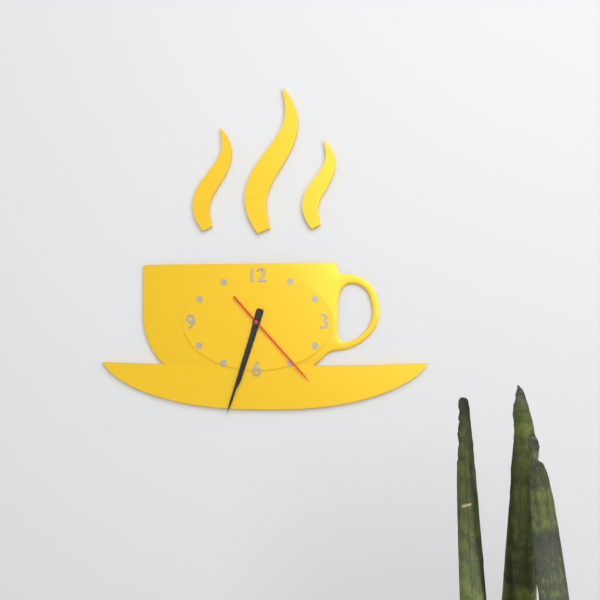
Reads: 6:33:23
